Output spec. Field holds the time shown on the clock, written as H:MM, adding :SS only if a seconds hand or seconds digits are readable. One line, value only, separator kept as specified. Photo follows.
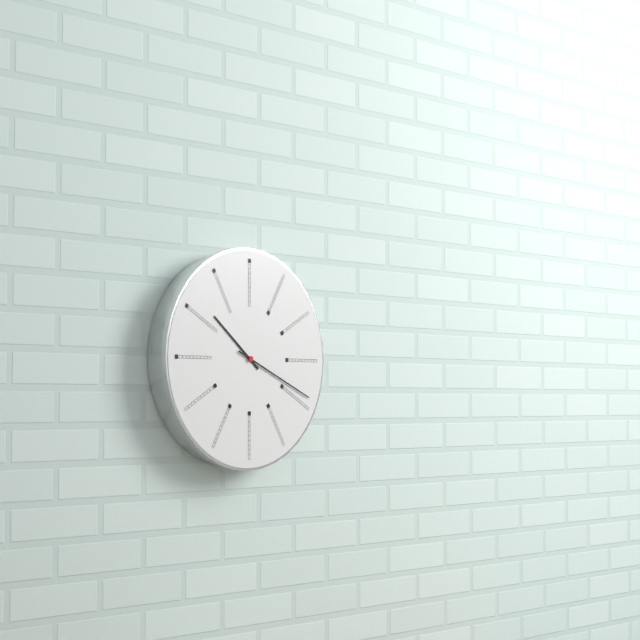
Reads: 10:19
